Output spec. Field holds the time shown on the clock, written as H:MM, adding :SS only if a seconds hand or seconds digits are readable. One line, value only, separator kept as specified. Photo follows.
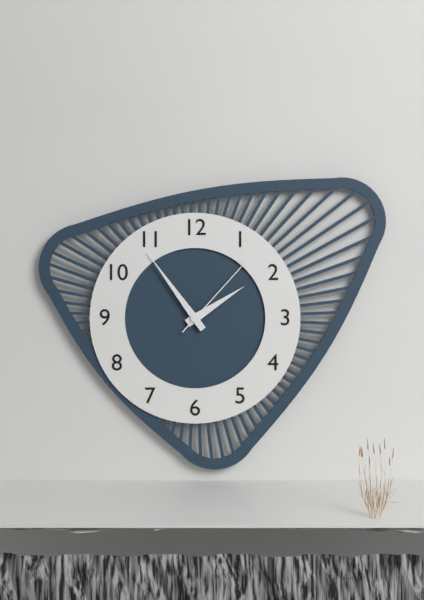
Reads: 1:54:07
